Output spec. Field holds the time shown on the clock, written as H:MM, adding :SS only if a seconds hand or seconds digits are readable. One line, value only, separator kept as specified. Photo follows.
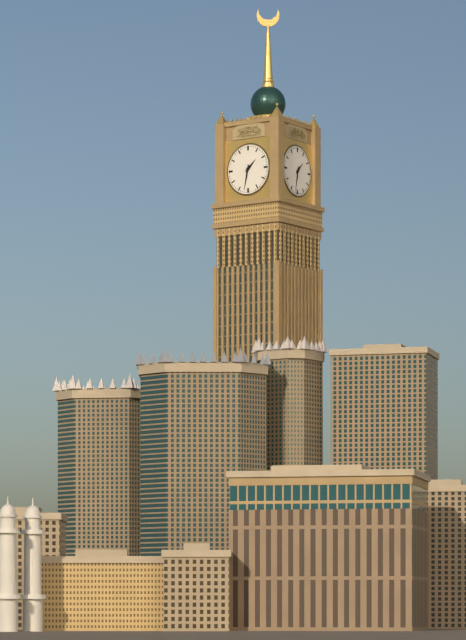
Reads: 1:32
